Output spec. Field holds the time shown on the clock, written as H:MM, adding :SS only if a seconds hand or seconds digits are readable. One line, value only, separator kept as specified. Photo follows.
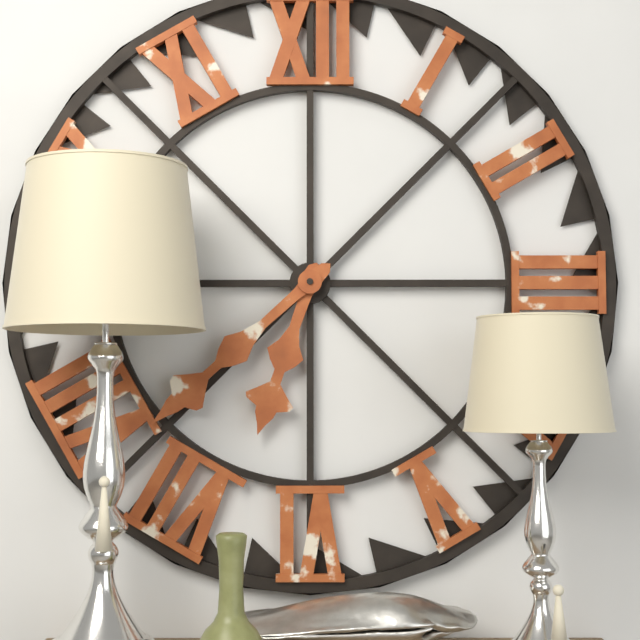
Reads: 6:38
